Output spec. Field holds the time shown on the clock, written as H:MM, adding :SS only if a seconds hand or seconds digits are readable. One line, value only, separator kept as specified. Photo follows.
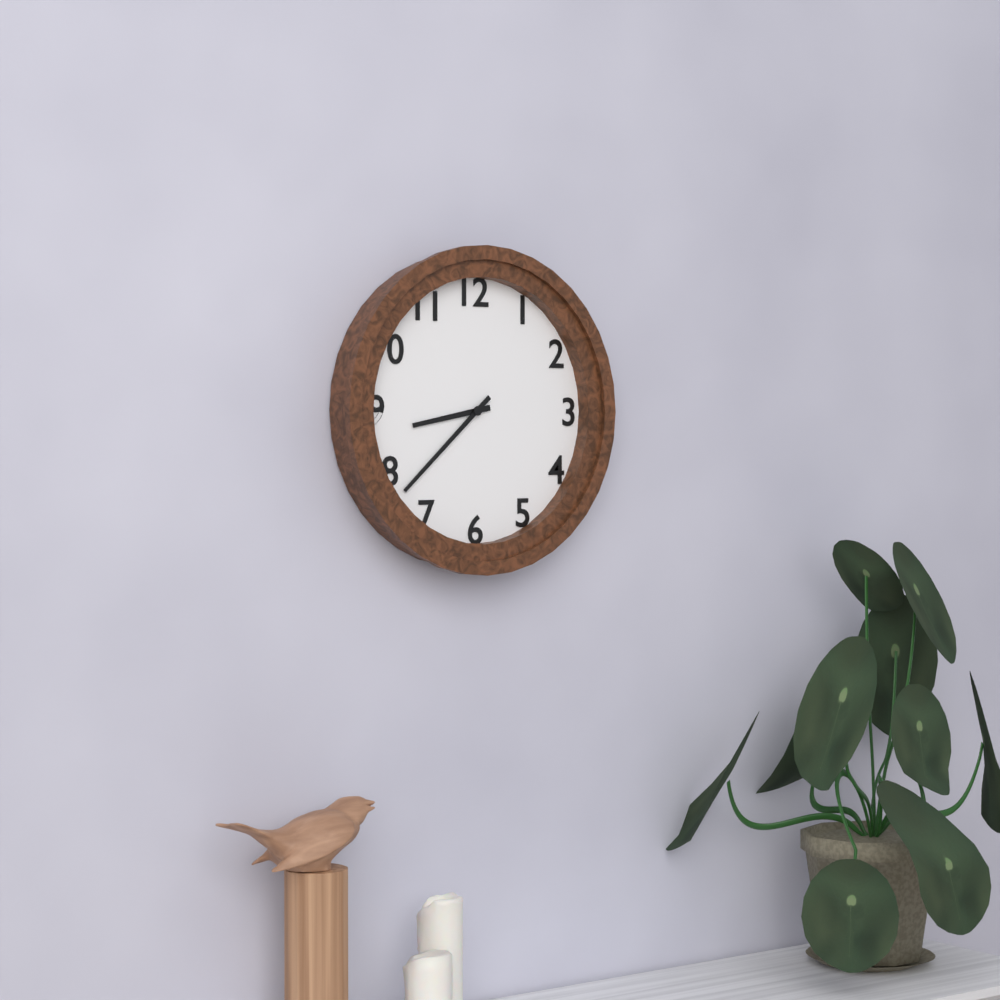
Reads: 8:38
